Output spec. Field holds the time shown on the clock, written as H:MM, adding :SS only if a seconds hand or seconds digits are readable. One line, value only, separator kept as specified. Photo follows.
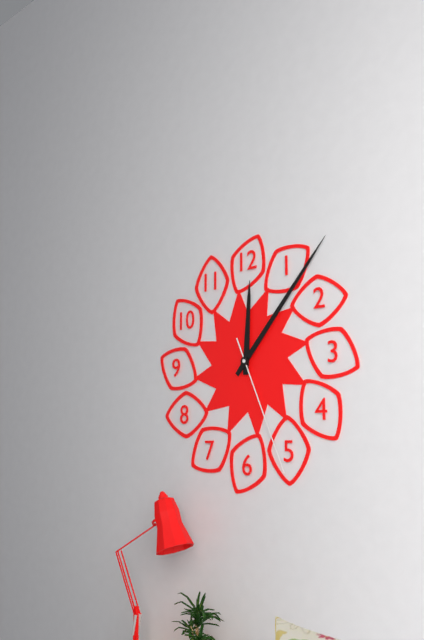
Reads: 12:07:26
